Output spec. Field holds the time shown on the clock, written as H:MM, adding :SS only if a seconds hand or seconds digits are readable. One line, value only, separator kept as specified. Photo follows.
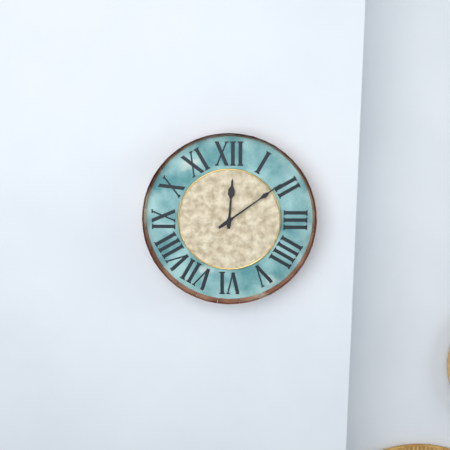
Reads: 12:09
